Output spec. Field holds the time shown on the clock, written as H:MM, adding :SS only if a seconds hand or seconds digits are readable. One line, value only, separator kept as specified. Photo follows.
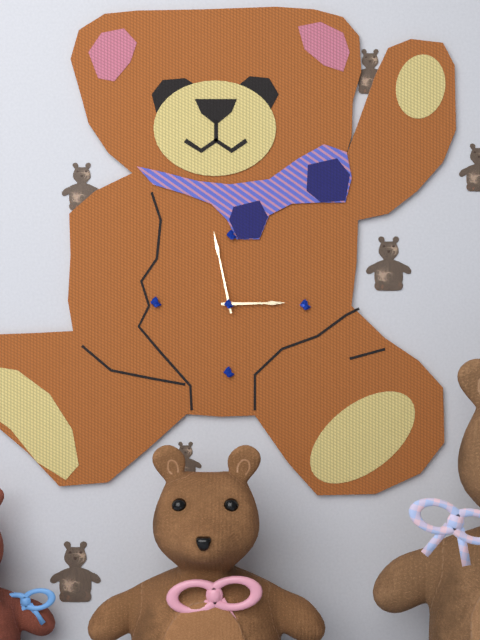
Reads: 2:58
